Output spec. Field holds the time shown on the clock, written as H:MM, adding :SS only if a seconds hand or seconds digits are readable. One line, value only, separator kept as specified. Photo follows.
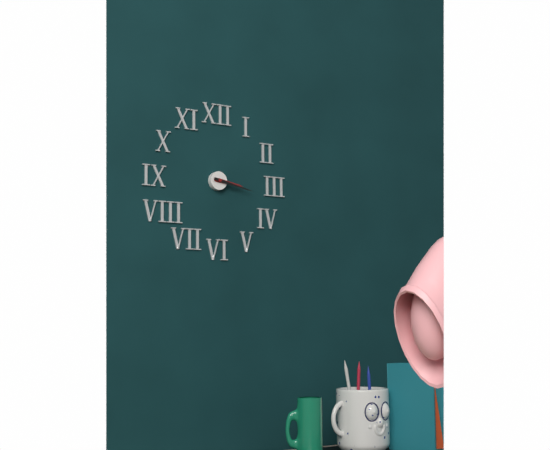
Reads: 3:17
